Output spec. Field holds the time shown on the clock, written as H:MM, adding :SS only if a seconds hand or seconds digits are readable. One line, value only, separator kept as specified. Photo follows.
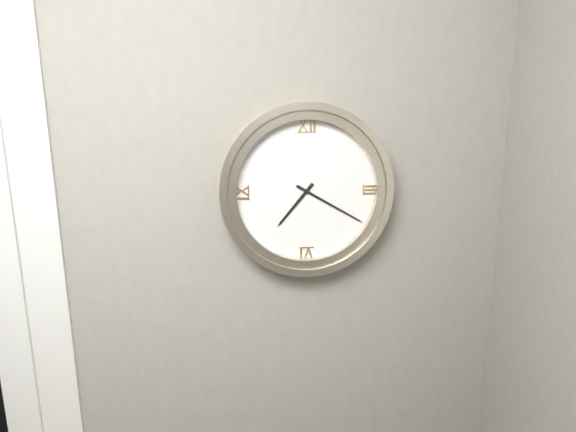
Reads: 7:20
